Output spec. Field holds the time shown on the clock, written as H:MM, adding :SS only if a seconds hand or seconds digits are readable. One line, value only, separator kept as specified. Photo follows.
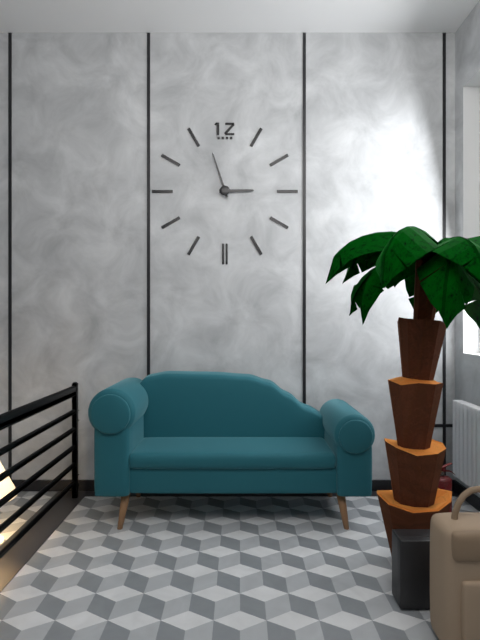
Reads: 2:57
